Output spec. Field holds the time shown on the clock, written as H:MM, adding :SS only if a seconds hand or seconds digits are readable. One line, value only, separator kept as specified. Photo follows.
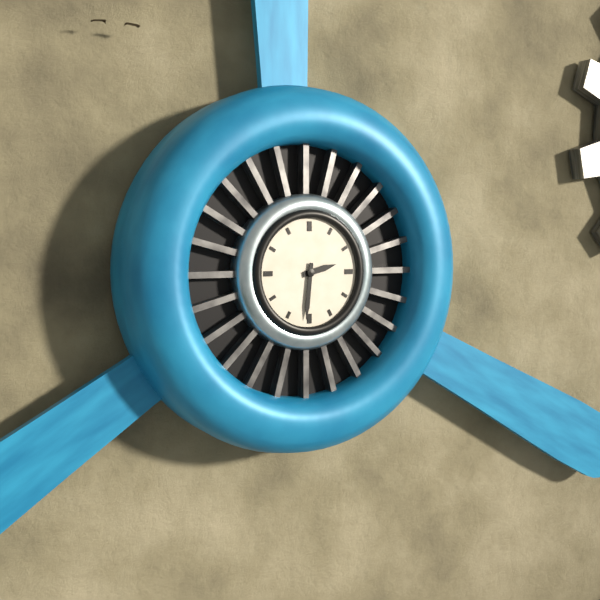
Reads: 2:31
